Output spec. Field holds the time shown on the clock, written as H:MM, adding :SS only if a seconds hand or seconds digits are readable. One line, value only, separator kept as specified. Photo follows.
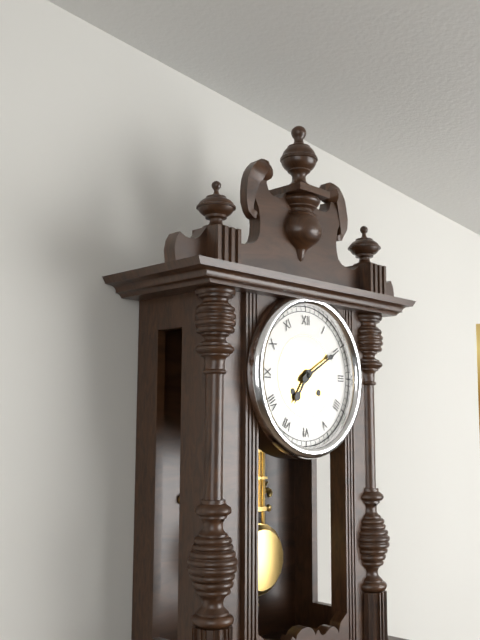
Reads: 7:10
